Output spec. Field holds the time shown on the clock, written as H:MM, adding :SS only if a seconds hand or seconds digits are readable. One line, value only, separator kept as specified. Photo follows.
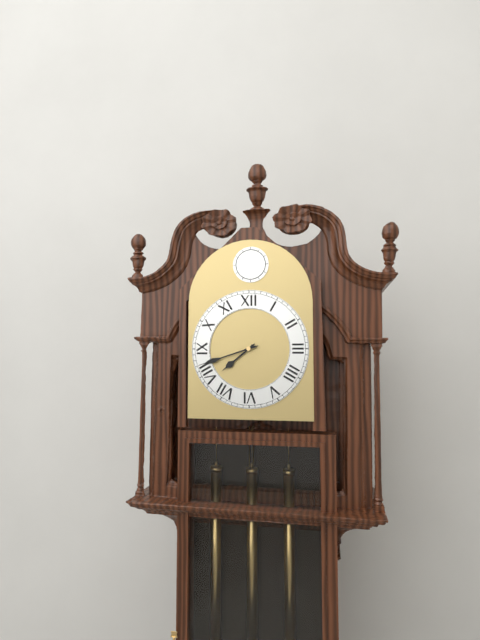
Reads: 7:42
